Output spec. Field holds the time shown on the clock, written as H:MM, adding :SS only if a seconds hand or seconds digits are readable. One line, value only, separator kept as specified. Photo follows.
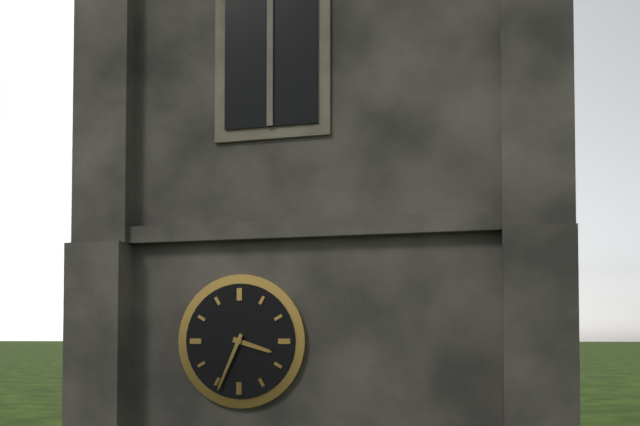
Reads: 3:34
